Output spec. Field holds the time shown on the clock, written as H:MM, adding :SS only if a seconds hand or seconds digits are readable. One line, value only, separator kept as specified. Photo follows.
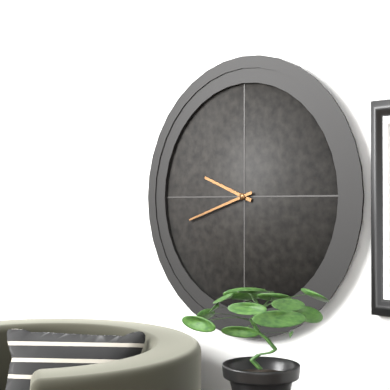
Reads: 9:42
